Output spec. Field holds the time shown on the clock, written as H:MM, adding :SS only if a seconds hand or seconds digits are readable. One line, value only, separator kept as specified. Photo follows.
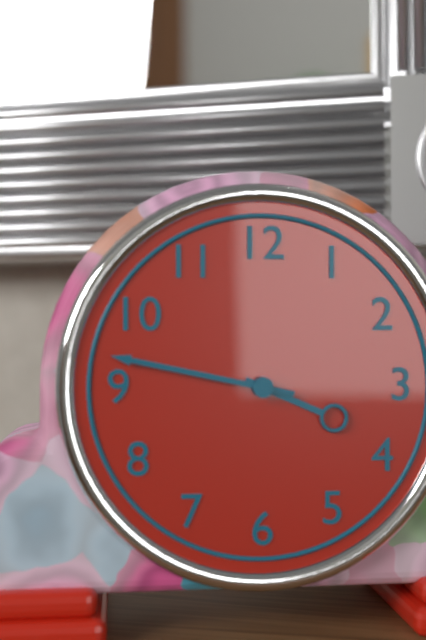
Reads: 3:47
